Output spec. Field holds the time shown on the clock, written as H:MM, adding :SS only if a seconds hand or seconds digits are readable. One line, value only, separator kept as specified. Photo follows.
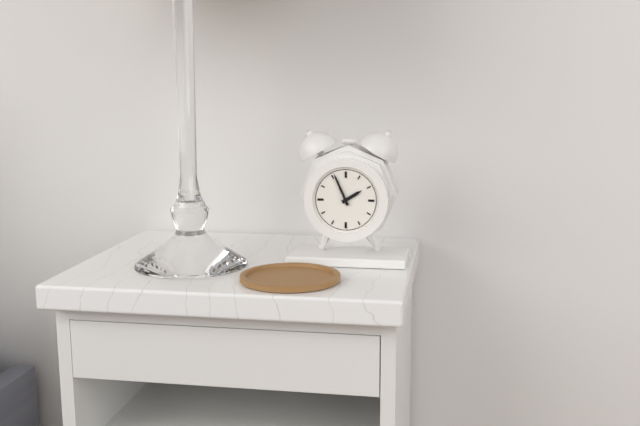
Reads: 1:56
